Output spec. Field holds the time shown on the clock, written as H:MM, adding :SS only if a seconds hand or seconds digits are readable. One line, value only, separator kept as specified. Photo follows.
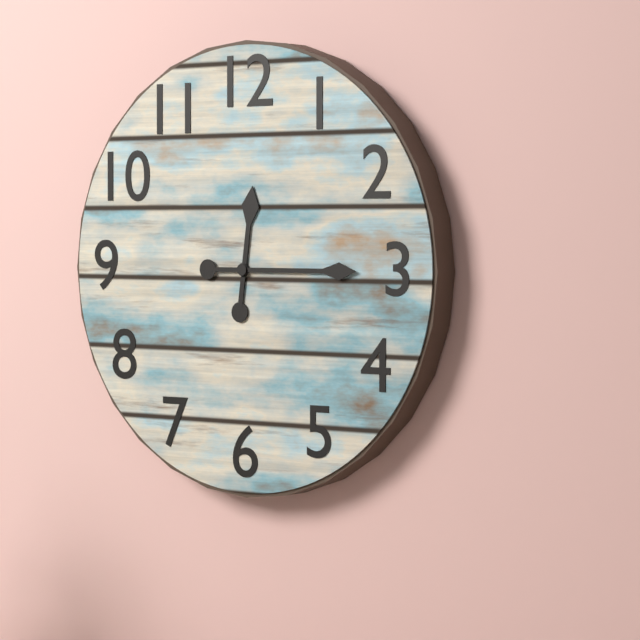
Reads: 12:15
